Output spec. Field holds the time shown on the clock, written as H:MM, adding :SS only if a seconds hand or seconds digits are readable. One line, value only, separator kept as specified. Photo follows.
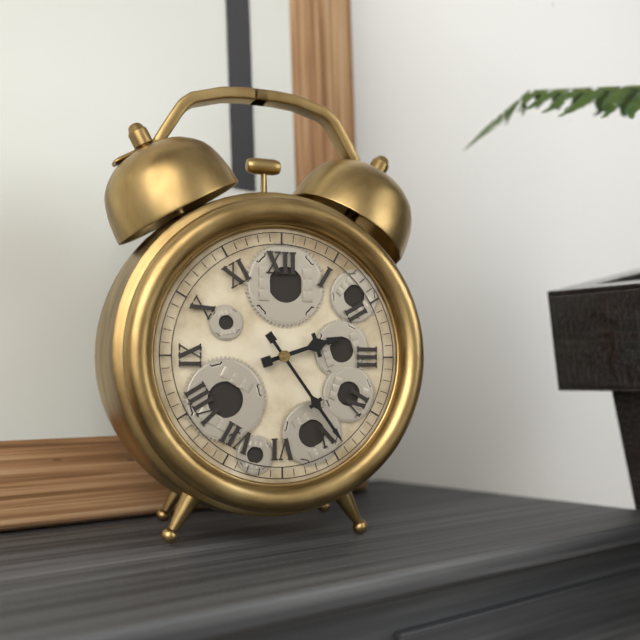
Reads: 2:24
